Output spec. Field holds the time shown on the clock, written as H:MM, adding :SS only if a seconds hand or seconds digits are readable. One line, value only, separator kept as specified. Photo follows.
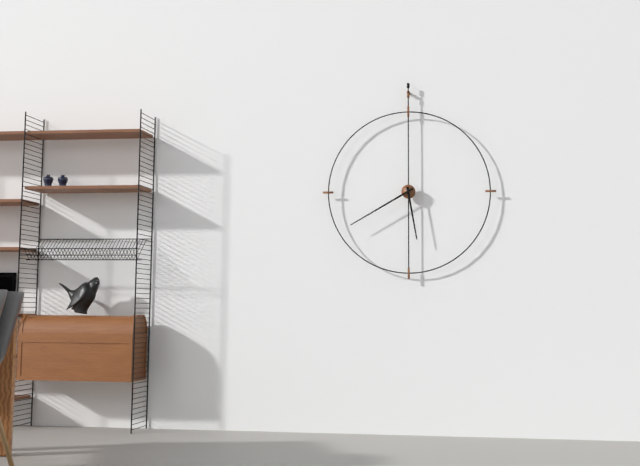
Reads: 5:40
